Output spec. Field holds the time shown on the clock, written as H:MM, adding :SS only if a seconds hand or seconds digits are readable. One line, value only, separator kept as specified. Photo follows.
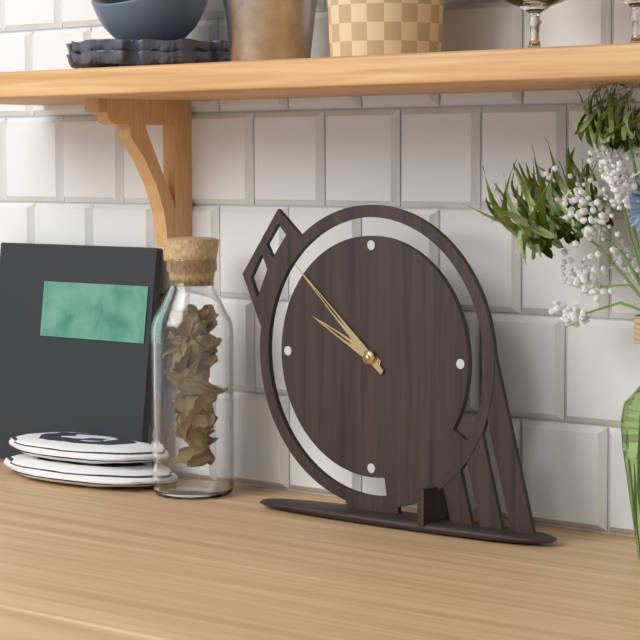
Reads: 9:52
